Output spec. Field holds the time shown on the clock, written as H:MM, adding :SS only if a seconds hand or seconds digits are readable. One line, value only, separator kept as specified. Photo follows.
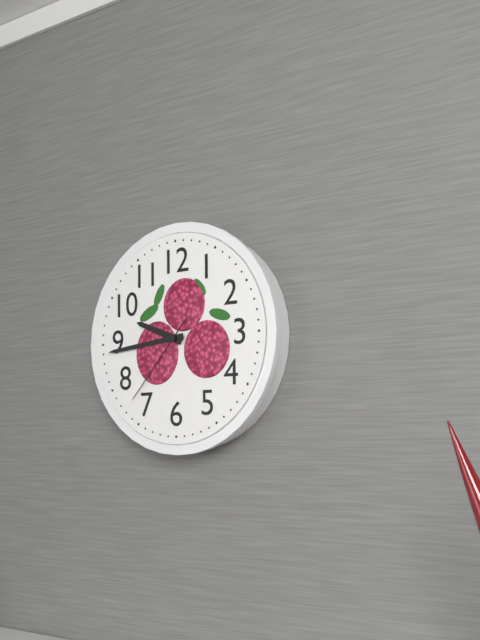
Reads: 9:44:37
